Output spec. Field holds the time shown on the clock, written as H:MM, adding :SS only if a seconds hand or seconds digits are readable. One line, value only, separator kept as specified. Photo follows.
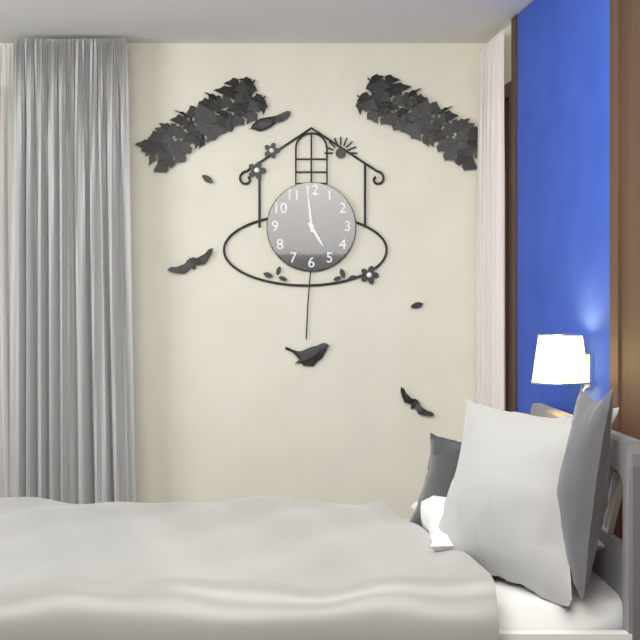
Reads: 4:59
